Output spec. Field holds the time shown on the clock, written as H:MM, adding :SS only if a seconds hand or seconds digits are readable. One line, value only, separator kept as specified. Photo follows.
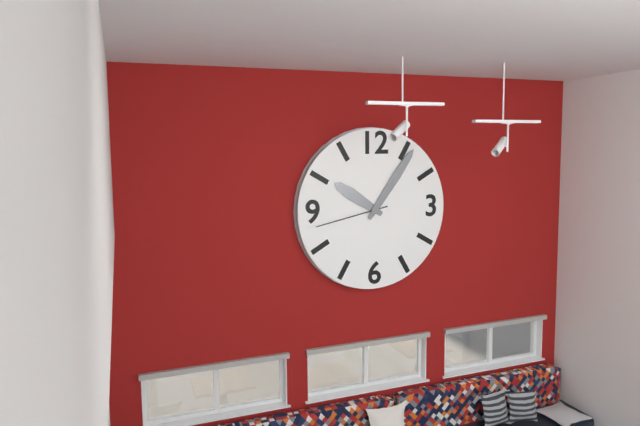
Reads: 10:06:43
